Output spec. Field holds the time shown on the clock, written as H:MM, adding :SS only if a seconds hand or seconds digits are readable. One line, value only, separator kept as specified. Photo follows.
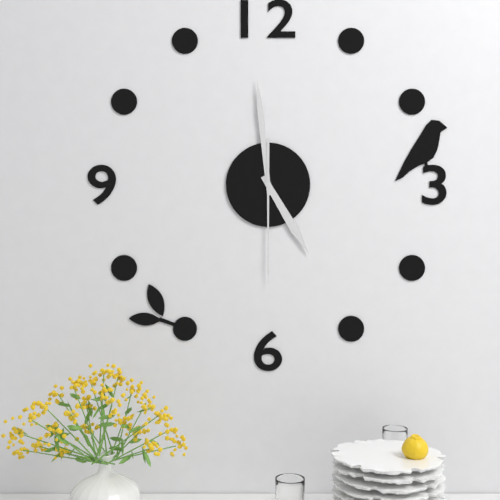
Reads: 4:59:30
